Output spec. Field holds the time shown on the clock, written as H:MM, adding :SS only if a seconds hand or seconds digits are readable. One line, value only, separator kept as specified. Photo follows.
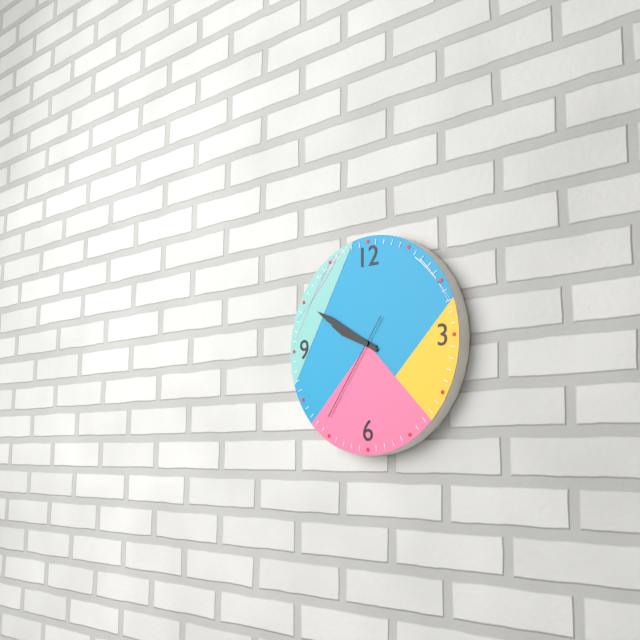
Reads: 9:50:36
